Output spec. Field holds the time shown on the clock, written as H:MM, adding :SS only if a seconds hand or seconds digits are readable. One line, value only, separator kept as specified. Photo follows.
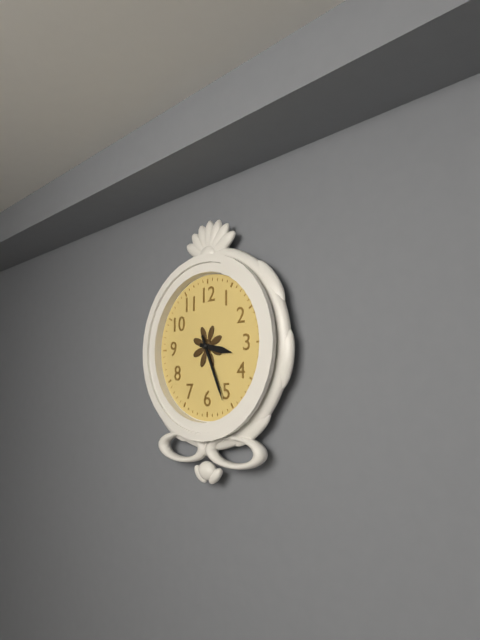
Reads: 3:26
